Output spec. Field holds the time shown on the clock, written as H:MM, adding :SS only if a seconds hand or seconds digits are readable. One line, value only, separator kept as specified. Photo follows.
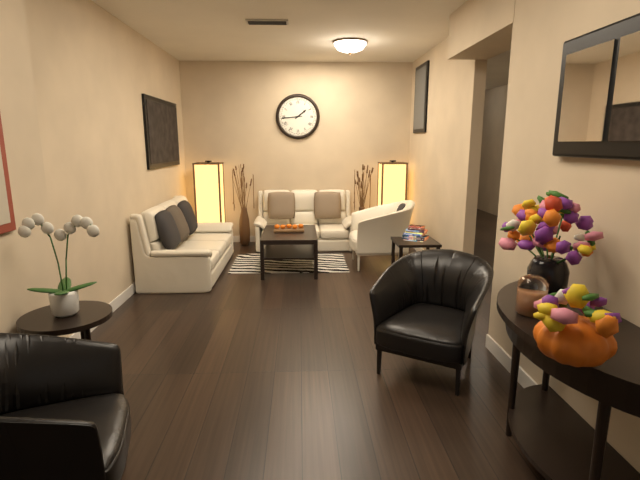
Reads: 1:44
